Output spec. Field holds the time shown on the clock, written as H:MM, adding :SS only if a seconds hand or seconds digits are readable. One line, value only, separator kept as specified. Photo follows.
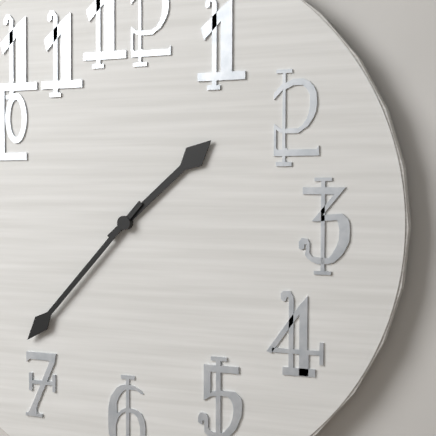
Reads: 1:37
